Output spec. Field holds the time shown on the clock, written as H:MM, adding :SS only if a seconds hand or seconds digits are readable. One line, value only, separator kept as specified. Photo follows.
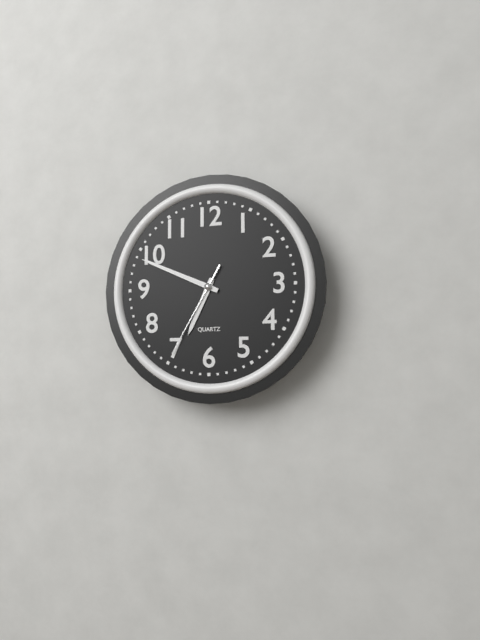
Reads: 6:49:35
